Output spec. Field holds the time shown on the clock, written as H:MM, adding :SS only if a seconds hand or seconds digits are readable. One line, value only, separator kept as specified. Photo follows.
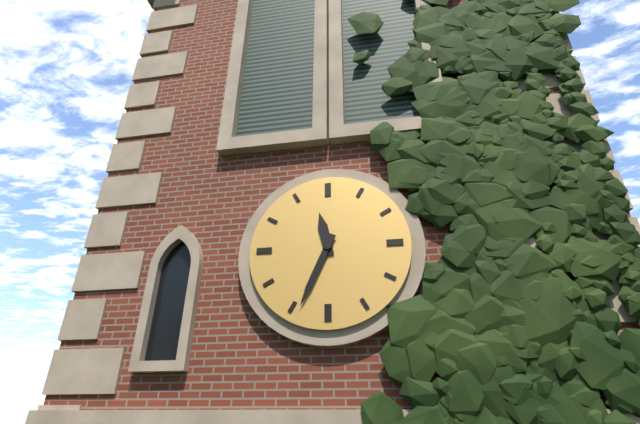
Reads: 11:34
